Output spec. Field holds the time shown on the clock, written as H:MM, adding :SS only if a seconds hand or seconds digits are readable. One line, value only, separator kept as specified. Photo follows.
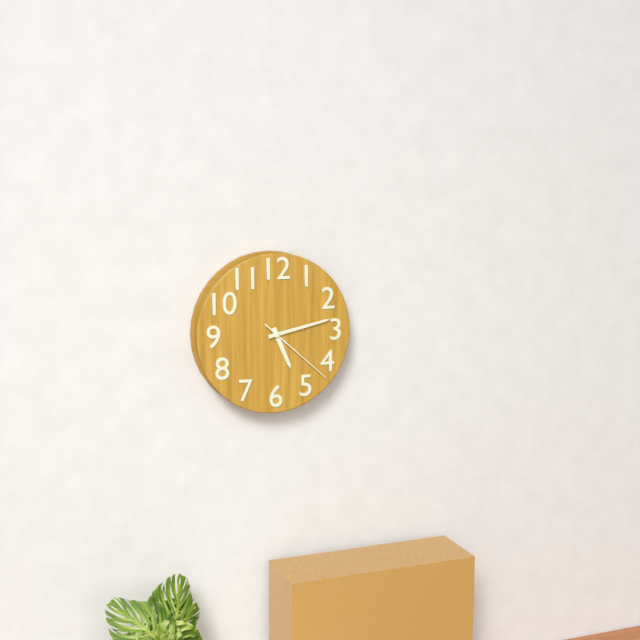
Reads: 5:13:22
